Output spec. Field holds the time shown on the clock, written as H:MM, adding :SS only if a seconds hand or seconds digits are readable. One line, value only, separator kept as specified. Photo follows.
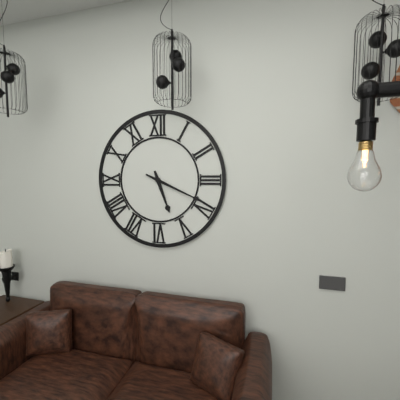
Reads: 5:19
